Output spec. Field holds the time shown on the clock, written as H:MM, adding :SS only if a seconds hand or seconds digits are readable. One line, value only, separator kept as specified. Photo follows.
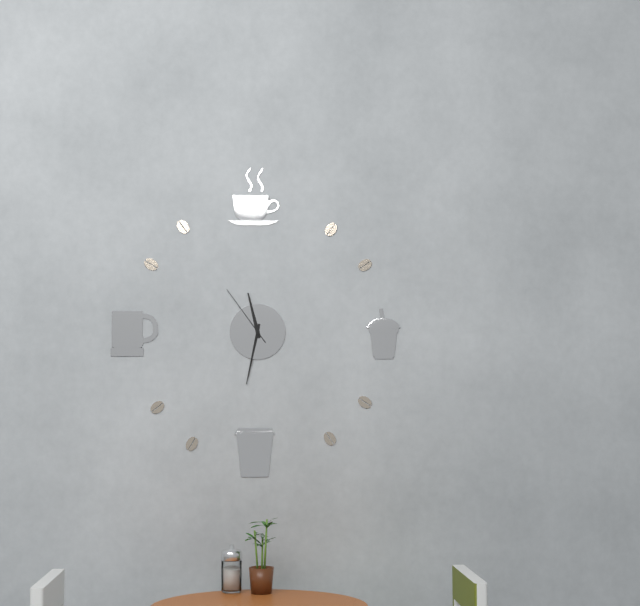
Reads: 11:32:54
